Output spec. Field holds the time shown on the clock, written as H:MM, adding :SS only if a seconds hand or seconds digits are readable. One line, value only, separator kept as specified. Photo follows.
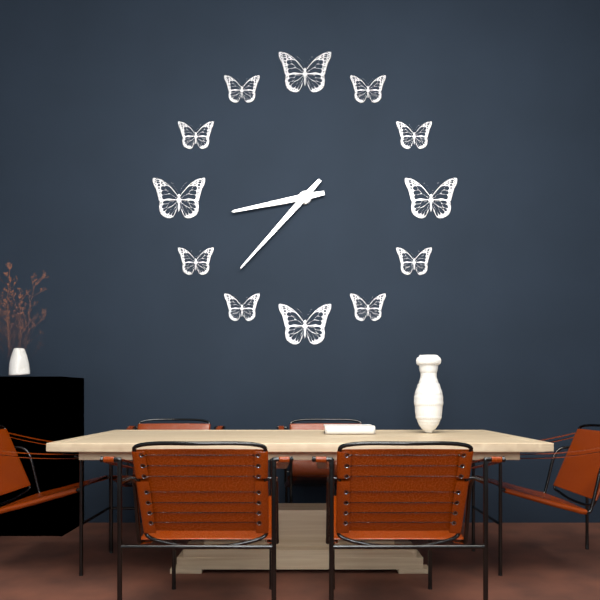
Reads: 8:37
